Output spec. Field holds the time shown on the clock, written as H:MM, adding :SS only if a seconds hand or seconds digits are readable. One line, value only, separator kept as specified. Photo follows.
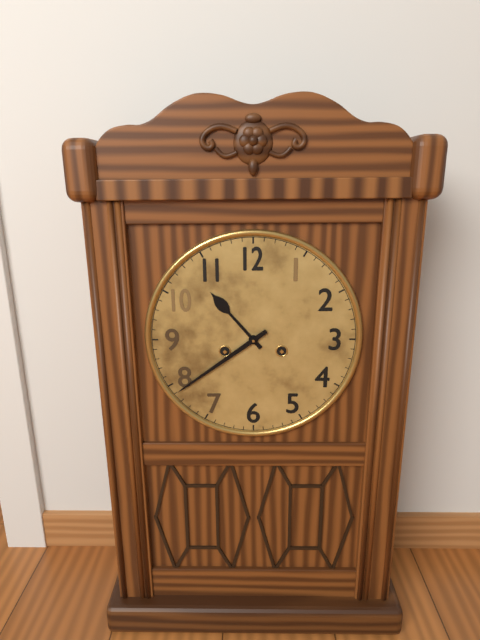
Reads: 10:39
